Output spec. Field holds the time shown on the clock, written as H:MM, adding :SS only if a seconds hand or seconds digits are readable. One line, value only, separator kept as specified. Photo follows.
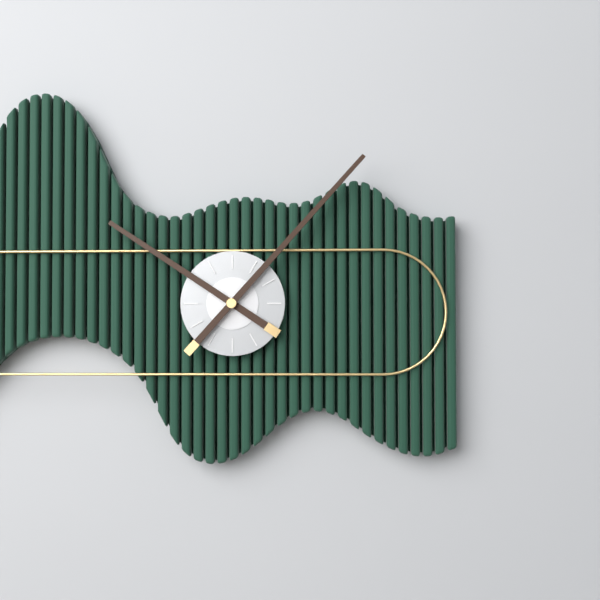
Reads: 10:07
